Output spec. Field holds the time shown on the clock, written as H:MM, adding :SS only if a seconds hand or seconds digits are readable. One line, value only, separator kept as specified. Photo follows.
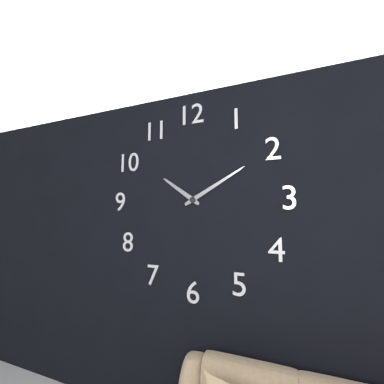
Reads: 10:10
